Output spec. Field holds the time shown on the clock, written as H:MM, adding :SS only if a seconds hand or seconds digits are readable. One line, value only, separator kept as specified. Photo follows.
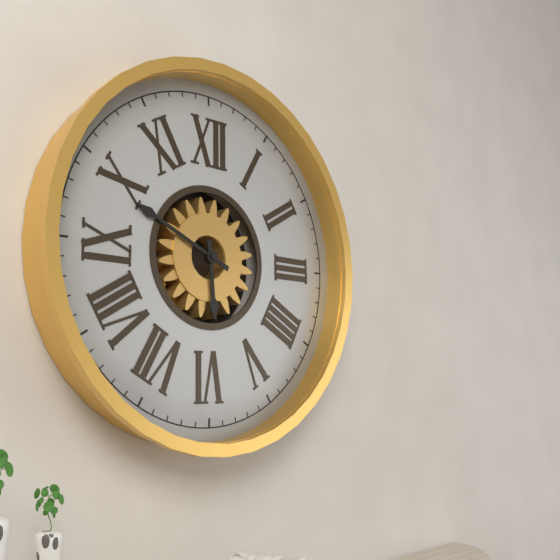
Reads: 5:49
